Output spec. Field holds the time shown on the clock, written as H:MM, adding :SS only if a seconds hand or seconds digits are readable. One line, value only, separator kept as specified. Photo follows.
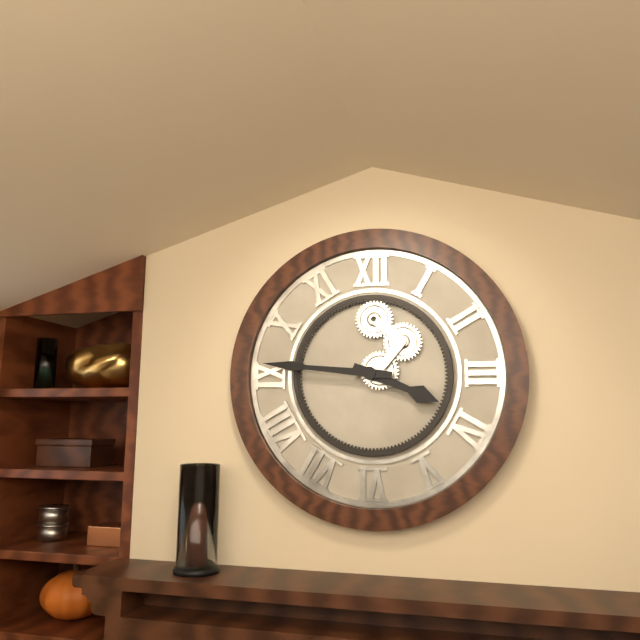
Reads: 3:46
